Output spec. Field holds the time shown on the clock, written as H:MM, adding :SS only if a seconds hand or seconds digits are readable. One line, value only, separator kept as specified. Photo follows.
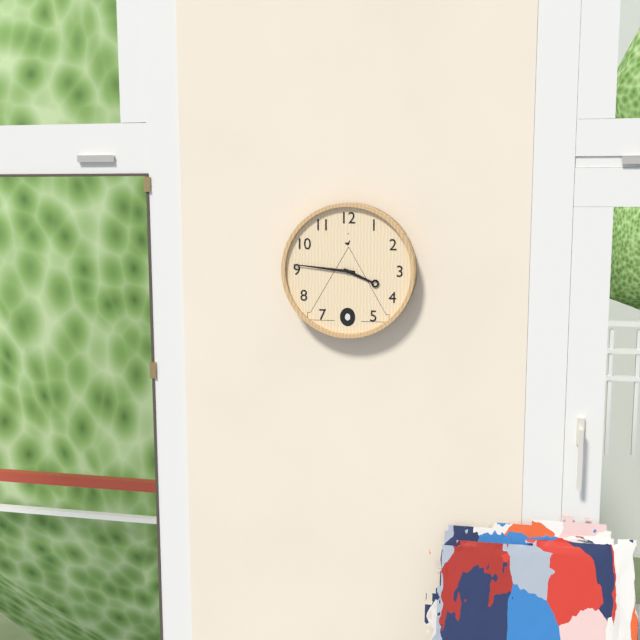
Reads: 3:46
